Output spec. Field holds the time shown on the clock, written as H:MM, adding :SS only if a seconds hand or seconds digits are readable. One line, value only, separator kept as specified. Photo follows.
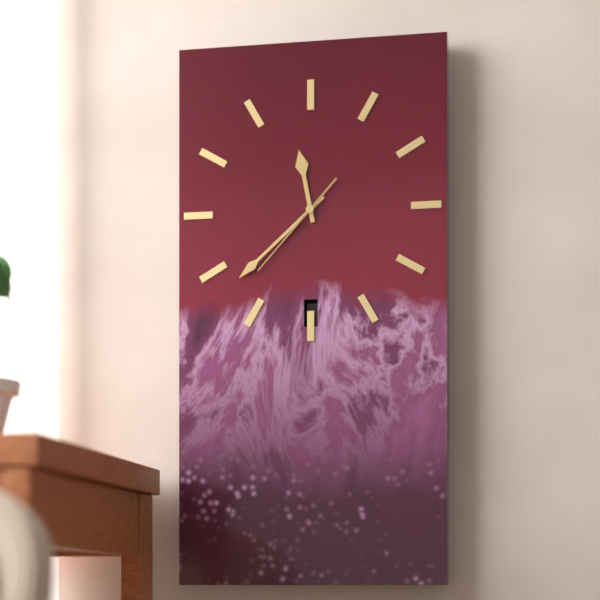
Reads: 11:38:37
